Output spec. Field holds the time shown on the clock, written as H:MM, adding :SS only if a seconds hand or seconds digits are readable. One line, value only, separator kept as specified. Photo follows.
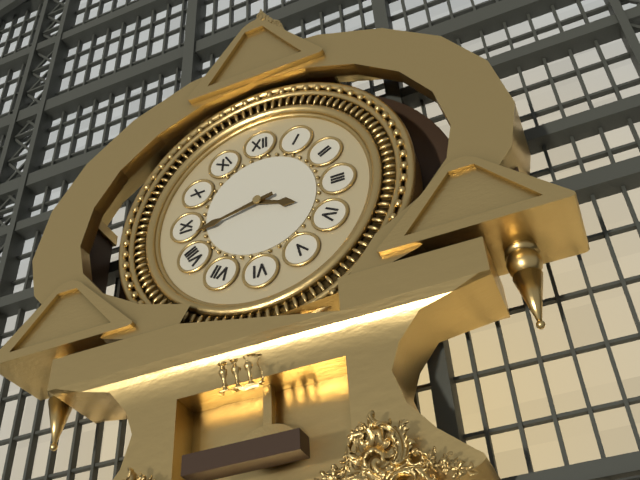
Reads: 3:43
